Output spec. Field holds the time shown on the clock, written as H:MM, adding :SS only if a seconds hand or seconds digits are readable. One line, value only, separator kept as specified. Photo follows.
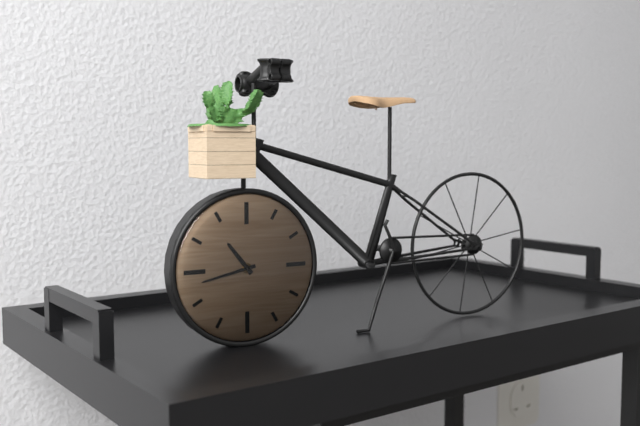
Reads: 10:43
